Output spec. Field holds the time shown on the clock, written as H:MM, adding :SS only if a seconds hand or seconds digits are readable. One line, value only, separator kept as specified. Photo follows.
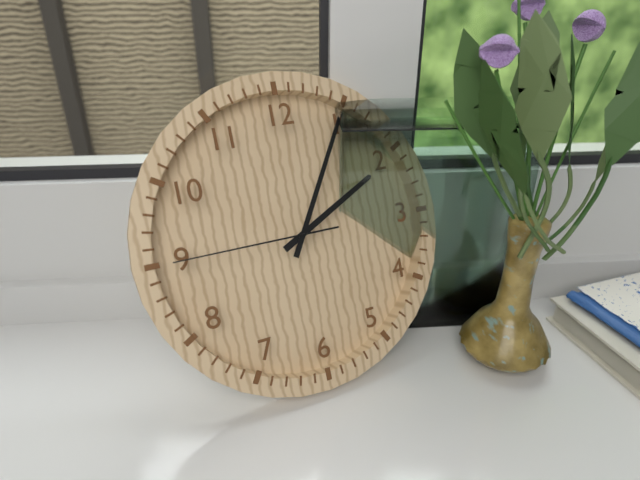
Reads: 2:05:45
